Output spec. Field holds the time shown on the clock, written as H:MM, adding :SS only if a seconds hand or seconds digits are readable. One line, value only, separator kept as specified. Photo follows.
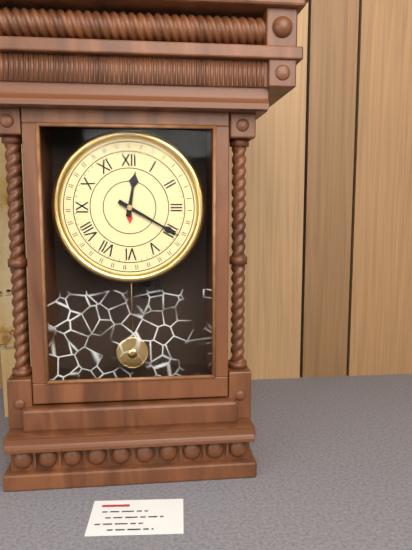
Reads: 12:20
